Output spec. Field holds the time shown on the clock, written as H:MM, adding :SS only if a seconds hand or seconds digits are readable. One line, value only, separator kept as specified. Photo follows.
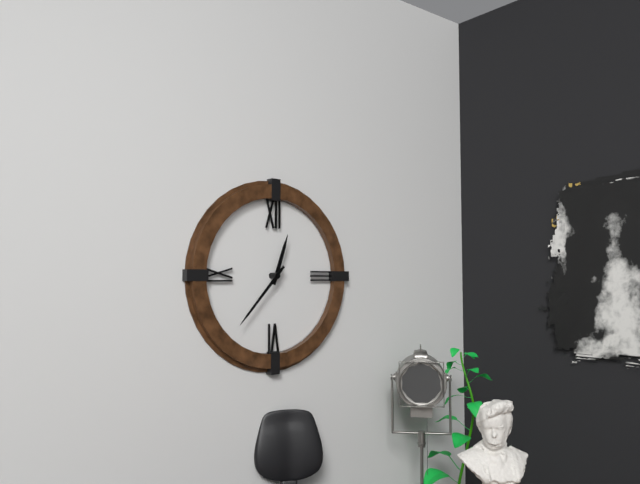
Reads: 12:37
